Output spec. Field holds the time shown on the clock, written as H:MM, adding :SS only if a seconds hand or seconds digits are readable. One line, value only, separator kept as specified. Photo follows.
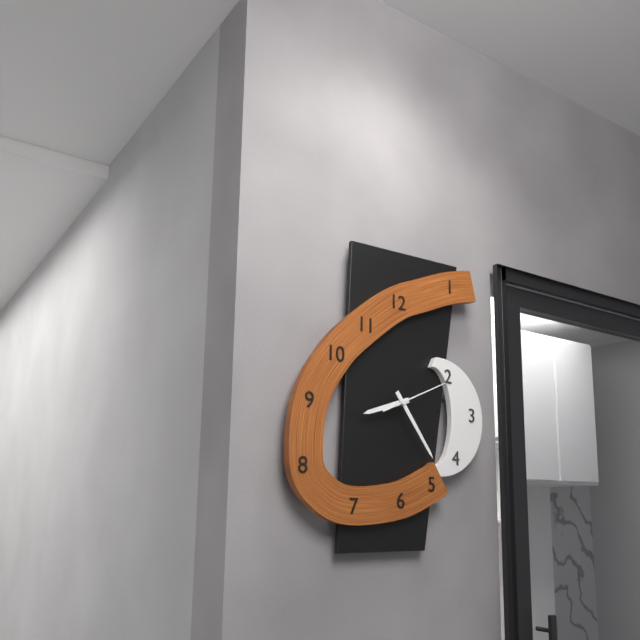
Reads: 8:24:11
